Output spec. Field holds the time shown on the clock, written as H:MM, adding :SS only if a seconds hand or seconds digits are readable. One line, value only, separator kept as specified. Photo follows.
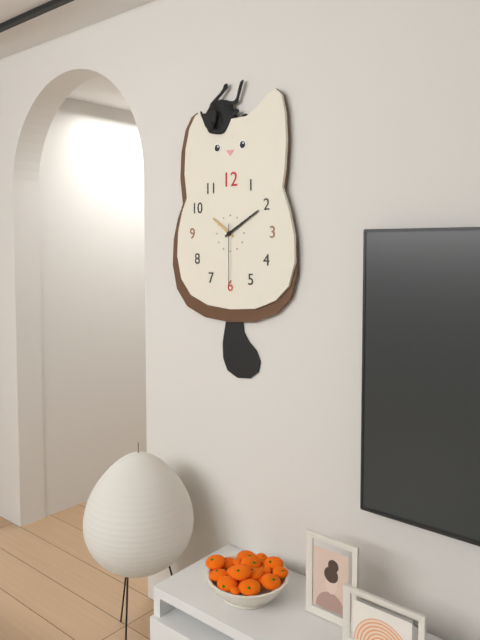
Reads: 10:10:30
